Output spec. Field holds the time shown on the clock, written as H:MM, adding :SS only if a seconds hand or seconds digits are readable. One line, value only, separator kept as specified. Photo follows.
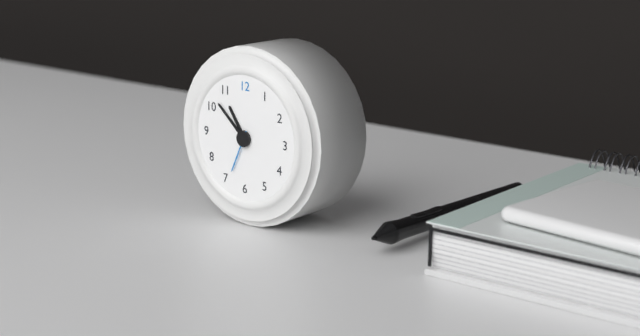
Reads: 10:52
